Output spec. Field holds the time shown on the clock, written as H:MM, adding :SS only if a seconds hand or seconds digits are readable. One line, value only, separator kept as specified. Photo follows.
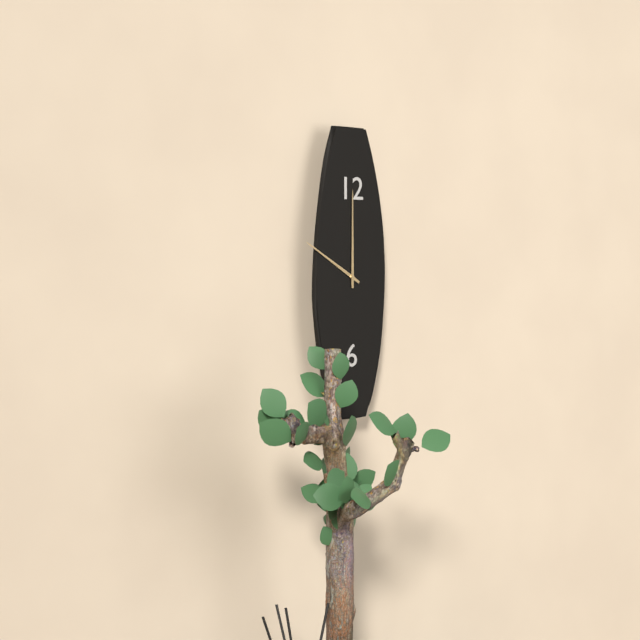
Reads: 10:00
